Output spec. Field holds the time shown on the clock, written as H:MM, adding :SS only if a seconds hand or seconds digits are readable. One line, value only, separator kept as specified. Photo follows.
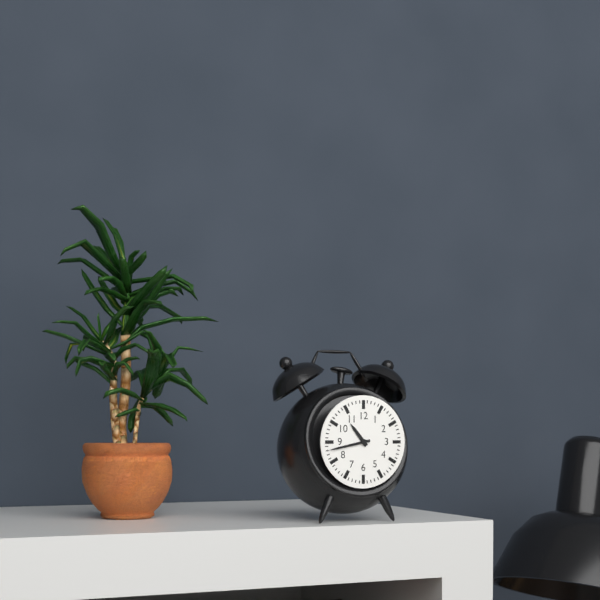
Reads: 10:43
